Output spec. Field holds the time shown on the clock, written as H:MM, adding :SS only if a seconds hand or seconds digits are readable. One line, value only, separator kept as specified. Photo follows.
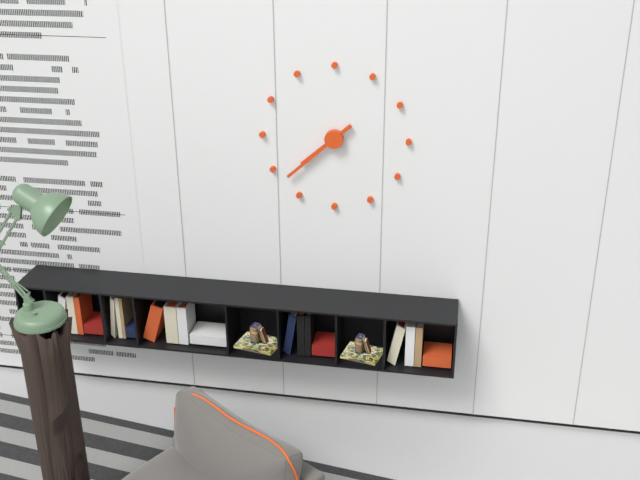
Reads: 7:38
